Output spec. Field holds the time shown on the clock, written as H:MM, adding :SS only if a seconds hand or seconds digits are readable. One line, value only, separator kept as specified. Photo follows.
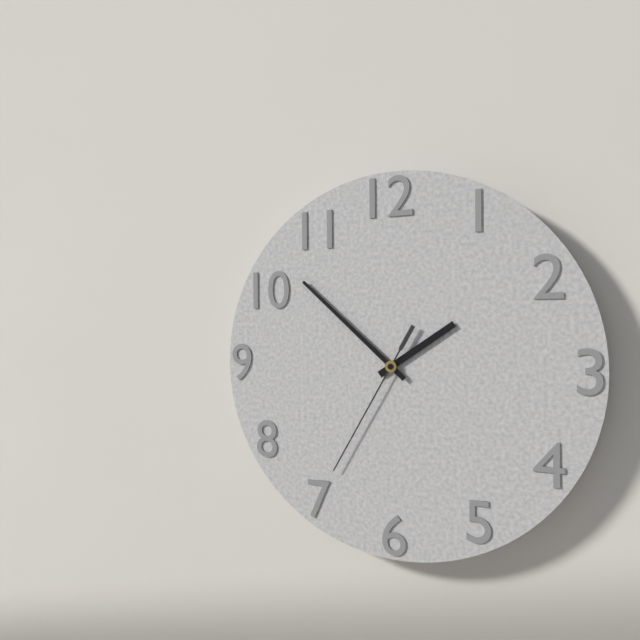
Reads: 1:52:35
